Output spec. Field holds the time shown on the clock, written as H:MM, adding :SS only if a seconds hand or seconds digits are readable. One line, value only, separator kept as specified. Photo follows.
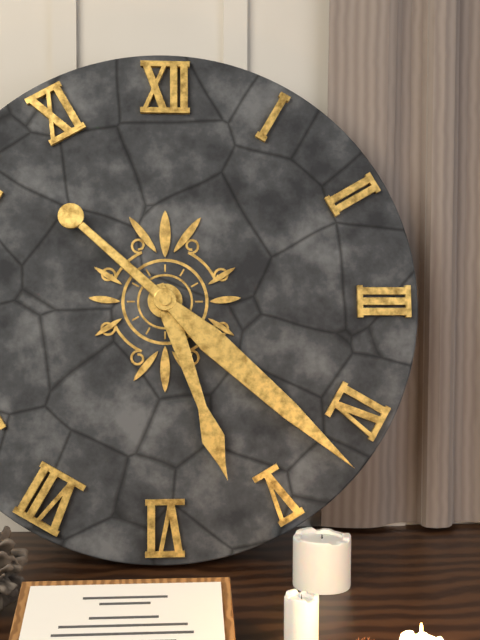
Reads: 5:22
